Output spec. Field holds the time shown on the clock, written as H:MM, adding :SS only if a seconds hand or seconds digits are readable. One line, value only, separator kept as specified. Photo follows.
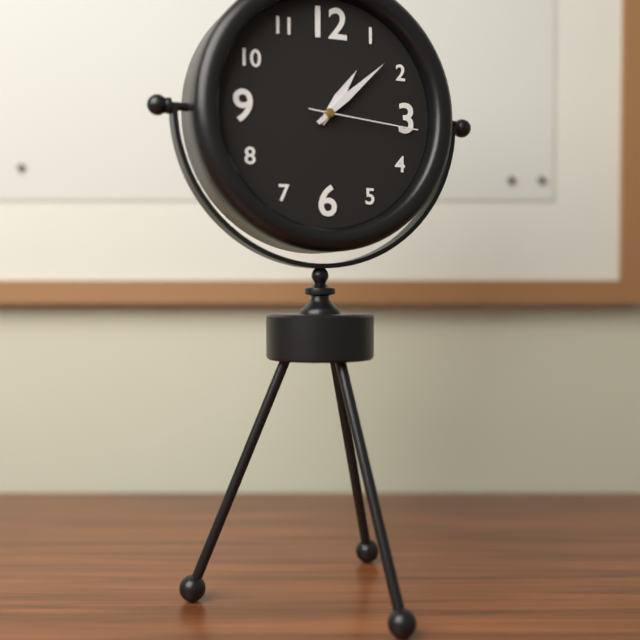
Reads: 1:08:16
